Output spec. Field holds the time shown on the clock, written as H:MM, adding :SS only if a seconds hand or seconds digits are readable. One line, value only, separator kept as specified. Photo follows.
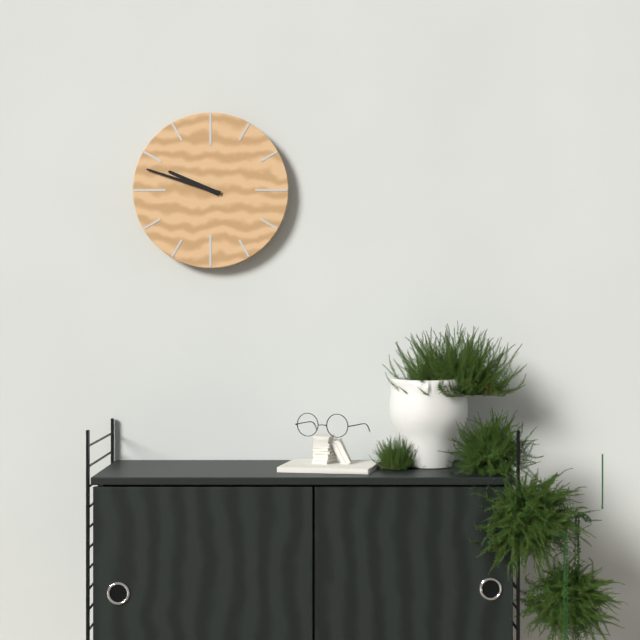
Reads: 9:48
